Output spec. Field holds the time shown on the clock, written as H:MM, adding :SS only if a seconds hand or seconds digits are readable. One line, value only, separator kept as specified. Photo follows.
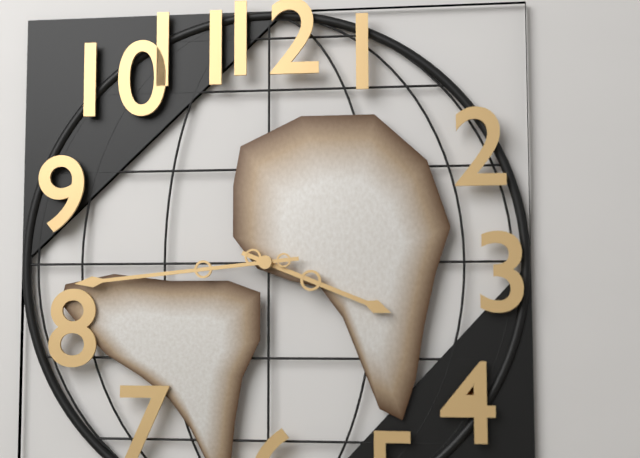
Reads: 3:44
